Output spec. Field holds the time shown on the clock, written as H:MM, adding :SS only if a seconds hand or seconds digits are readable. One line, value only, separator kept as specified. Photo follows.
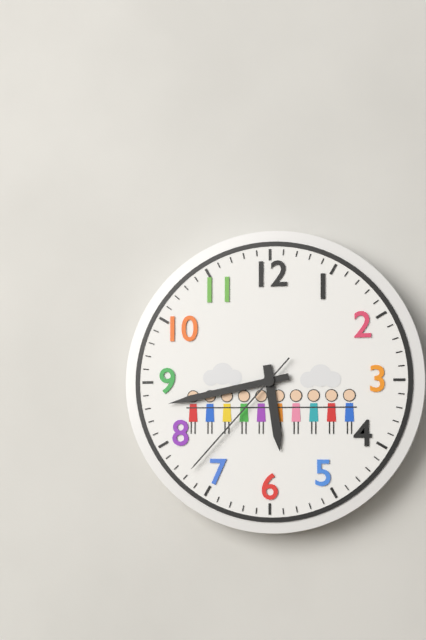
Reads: 5:43:37
